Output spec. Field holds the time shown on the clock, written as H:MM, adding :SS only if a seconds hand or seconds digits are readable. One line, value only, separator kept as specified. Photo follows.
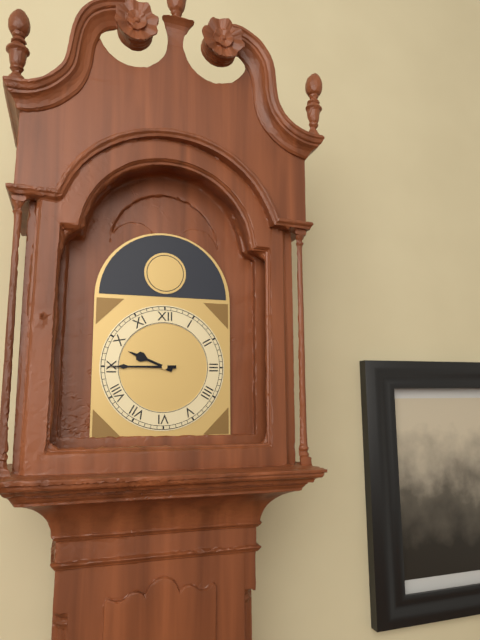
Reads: 9:45
